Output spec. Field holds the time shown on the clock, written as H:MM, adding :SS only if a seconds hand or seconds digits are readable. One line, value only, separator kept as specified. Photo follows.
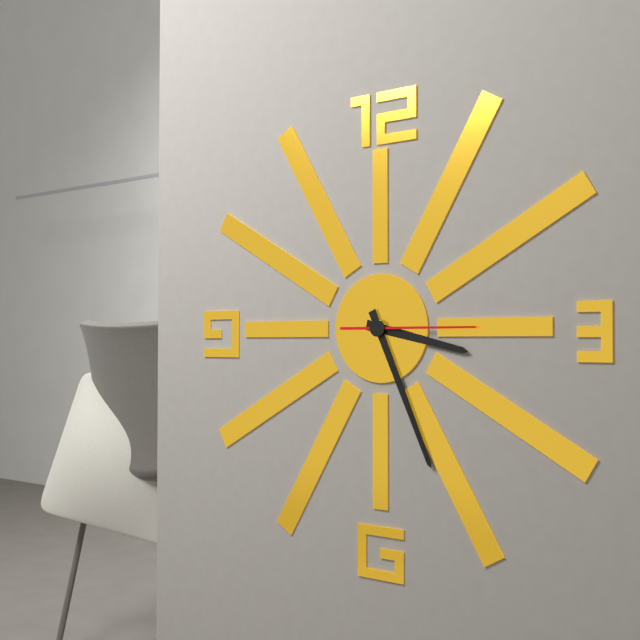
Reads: 3:26:15
